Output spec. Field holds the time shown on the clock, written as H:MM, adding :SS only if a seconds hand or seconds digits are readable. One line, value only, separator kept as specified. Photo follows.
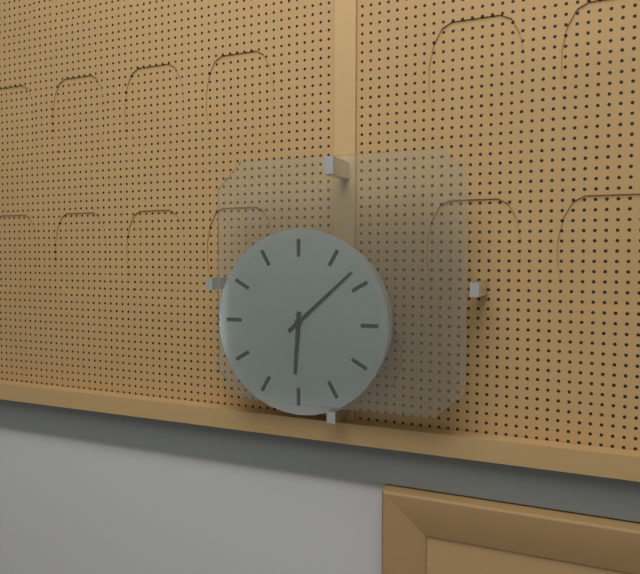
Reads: 6:08
